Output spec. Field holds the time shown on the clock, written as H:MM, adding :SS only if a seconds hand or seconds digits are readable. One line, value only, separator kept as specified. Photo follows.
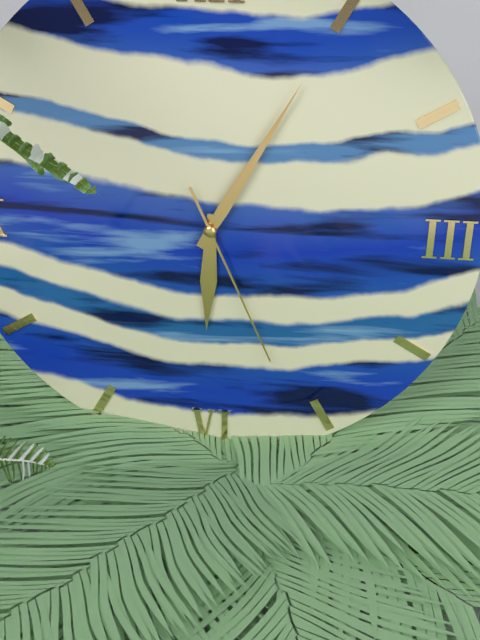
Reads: 6:05:26
